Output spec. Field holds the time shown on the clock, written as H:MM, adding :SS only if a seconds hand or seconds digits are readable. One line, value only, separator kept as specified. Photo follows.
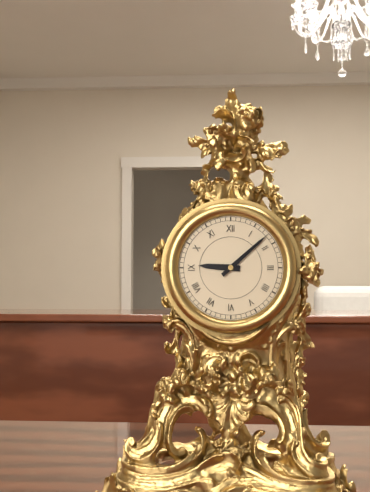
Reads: 9:08
